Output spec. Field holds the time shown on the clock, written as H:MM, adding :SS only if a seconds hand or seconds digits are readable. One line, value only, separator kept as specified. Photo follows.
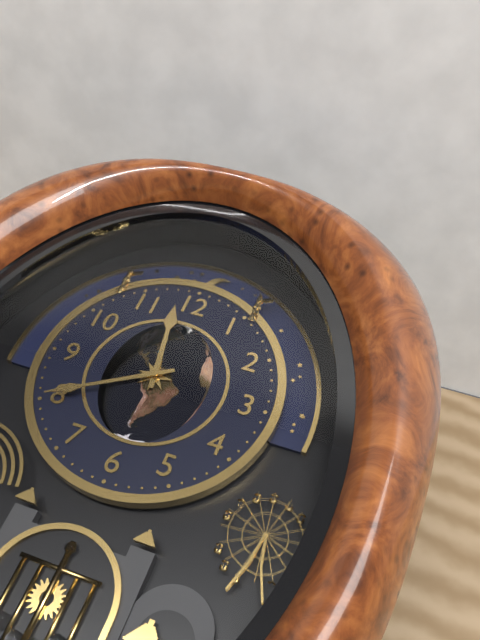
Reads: 11:40
